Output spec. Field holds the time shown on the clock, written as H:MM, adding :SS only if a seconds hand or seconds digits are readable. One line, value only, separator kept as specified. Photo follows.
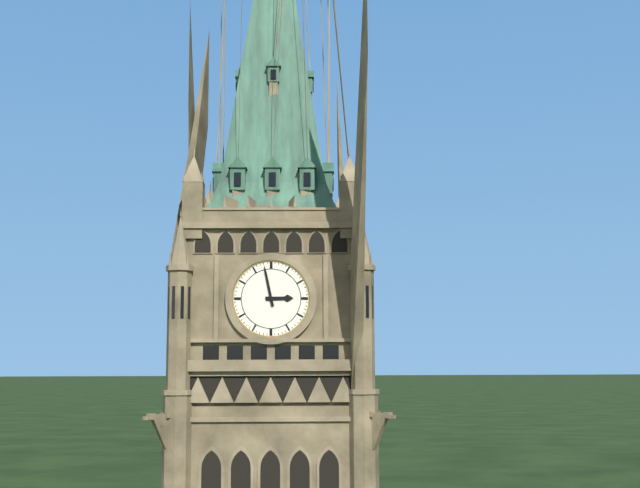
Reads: 2:58
